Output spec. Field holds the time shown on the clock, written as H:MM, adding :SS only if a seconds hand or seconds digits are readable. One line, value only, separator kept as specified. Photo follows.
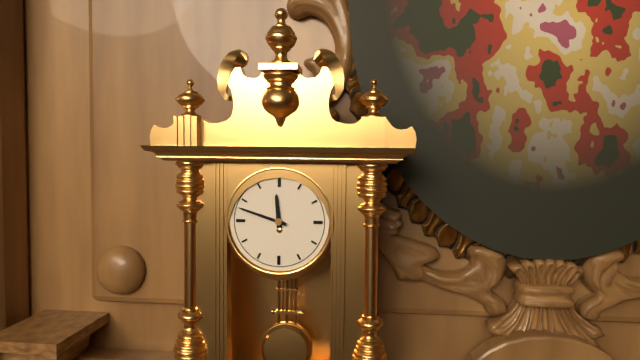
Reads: 11:48
